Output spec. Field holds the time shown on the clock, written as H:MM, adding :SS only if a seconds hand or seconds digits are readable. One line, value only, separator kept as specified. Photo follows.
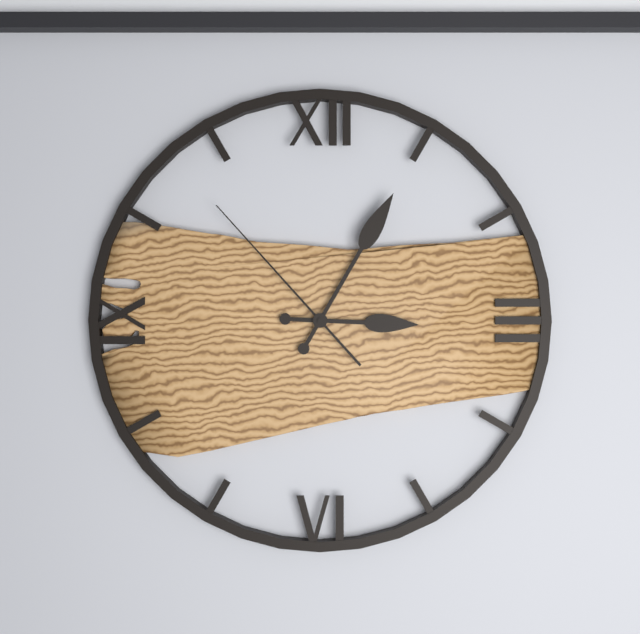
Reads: 3:05:53
